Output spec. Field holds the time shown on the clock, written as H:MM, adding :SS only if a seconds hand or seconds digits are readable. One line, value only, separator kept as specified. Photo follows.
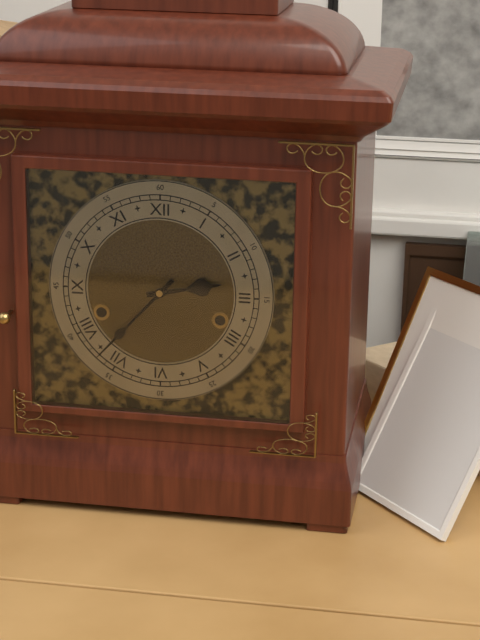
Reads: 2:37
